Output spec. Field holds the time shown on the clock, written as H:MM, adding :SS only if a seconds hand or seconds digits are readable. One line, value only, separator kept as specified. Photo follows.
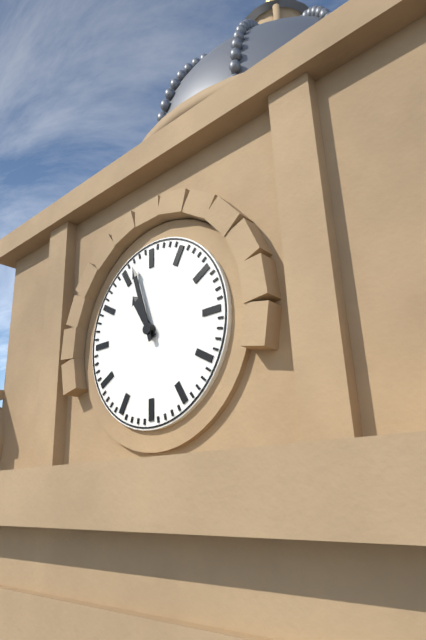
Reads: 10:57
